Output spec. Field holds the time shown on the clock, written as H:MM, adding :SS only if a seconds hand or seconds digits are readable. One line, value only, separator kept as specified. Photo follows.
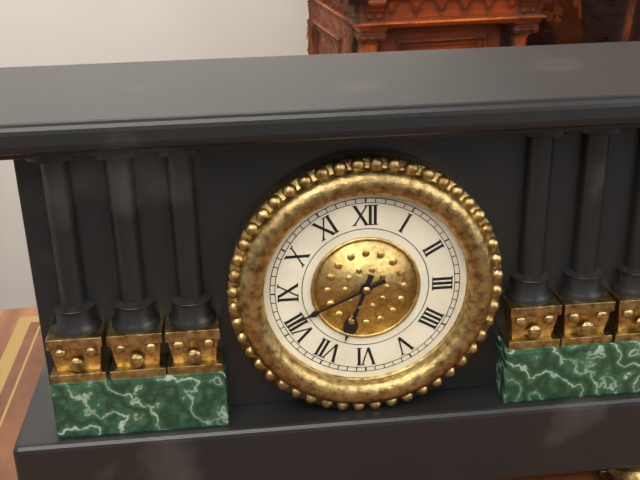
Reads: 6:41
